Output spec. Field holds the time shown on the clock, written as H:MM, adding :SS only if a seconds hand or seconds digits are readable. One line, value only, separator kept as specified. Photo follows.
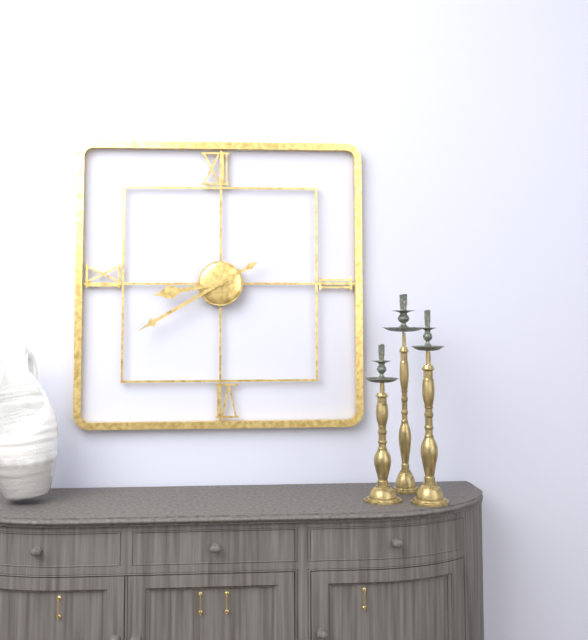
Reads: 8:40
